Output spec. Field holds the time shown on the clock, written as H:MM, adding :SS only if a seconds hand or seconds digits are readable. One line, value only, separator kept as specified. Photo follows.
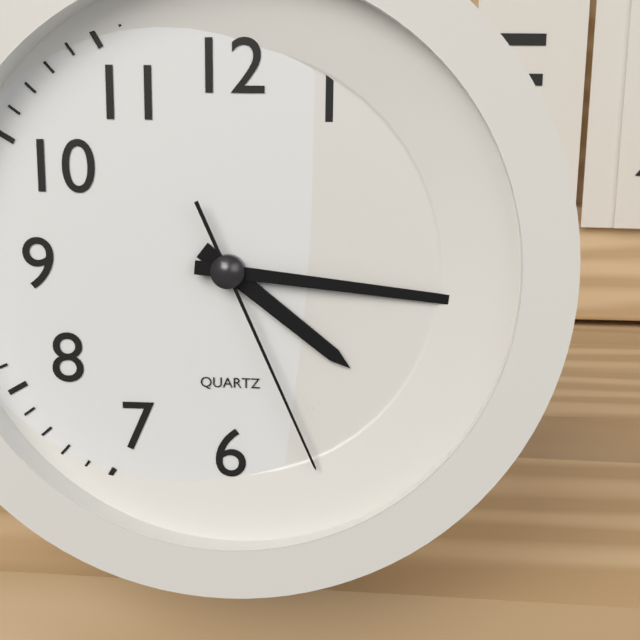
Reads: 4:16:26
